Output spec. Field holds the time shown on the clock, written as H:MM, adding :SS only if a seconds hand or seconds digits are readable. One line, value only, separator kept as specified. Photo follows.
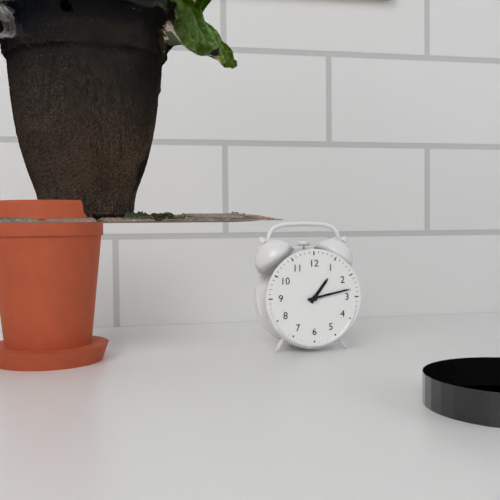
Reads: 1:13
